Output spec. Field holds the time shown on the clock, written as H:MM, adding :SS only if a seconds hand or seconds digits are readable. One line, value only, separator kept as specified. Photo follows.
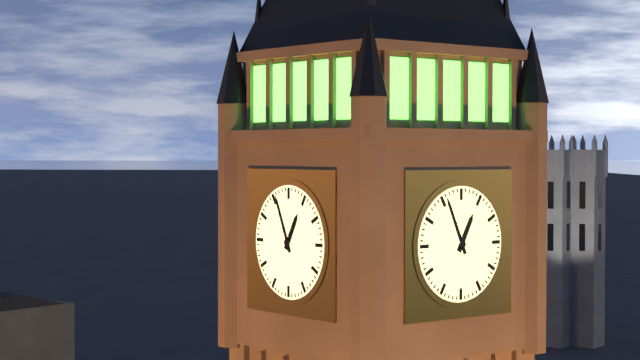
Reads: 12:56
